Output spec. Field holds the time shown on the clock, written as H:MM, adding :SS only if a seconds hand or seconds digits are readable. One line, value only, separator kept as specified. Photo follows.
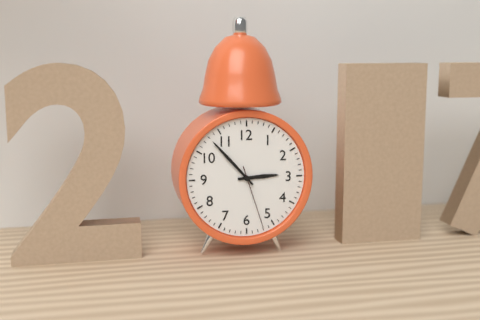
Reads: 2:53:27
